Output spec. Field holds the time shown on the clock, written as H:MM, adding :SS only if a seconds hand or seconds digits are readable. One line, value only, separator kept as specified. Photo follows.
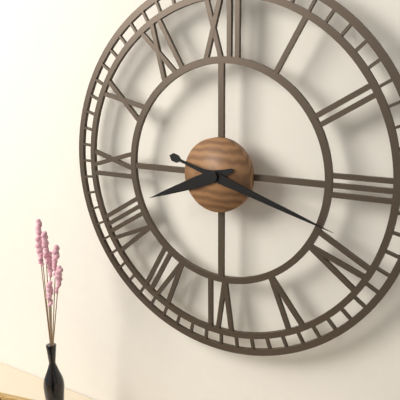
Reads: 8:18
